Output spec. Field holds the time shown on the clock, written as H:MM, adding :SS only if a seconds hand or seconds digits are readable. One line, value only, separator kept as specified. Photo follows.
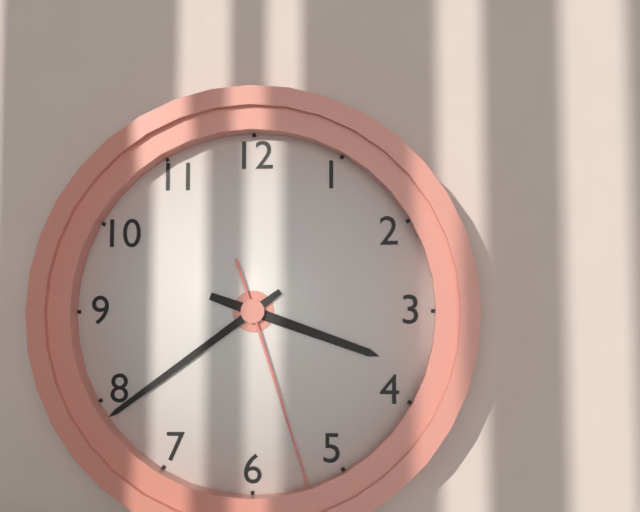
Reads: 3:39:27
